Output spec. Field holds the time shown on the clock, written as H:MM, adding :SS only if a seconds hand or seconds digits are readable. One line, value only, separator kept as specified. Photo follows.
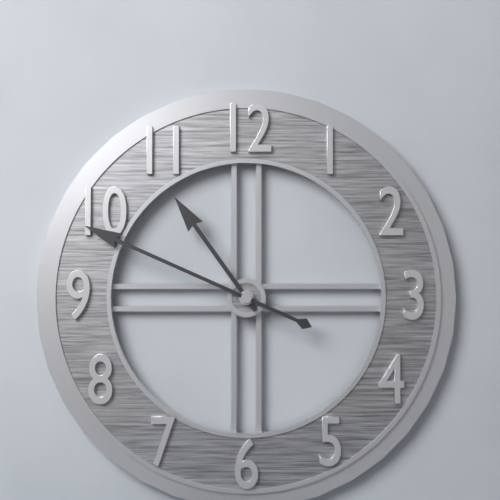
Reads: 10:49
